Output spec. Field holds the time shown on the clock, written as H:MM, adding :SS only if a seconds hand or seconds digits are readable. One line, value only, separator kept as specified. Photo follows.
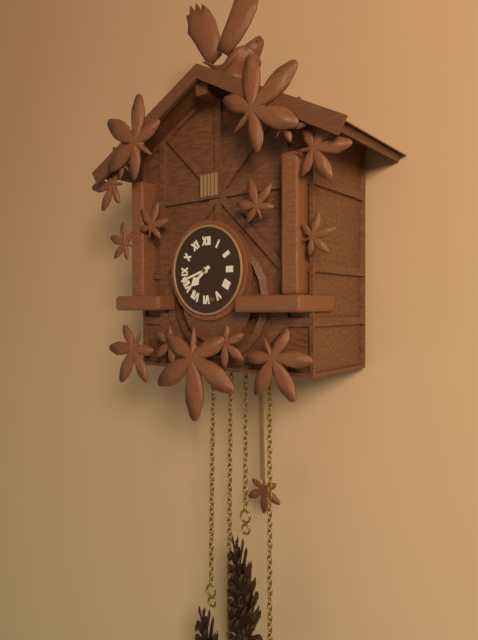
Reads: 7:42
